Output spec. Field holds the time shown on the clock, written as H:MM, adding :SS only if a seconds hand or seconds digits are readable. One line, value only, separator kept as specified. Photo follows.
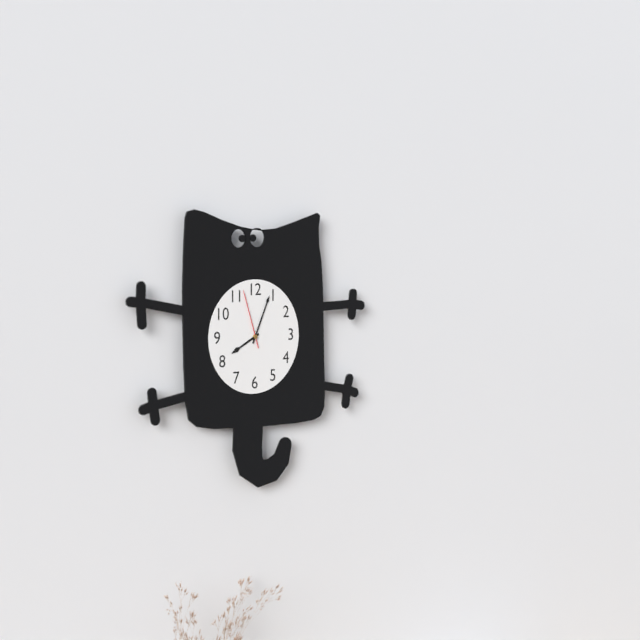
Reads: 8:04:57
